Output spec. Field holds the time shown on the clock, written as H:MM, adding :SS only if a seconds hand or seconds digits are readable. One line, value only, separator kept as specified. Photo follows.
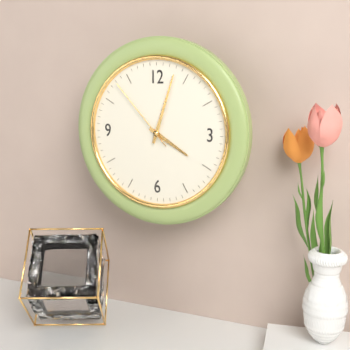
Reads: 4:03:53
